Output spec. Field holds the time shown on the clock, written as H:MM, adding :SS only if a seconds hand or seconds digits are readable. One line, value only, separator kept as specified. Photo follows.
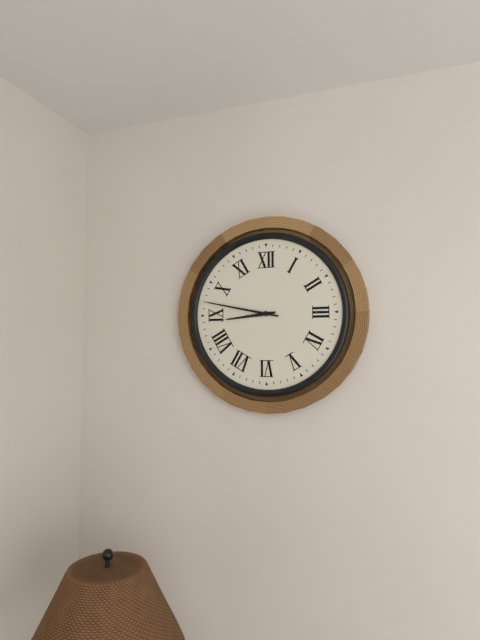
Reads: 8:47
